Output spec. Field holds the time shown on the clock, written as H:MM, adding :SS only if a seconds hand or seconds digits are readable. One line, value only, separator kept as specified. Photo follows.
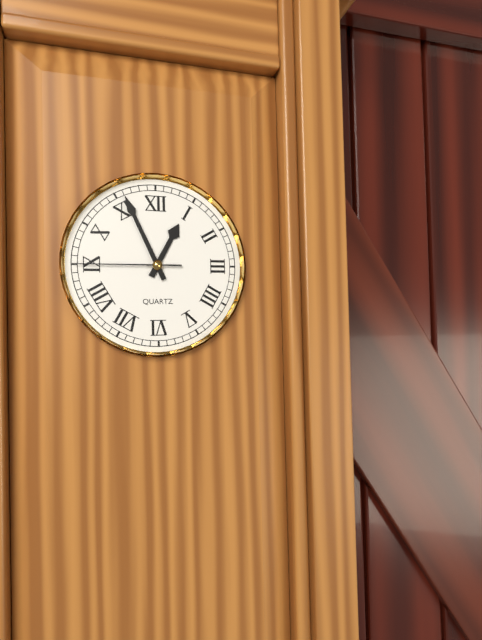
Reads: 12:56:45
